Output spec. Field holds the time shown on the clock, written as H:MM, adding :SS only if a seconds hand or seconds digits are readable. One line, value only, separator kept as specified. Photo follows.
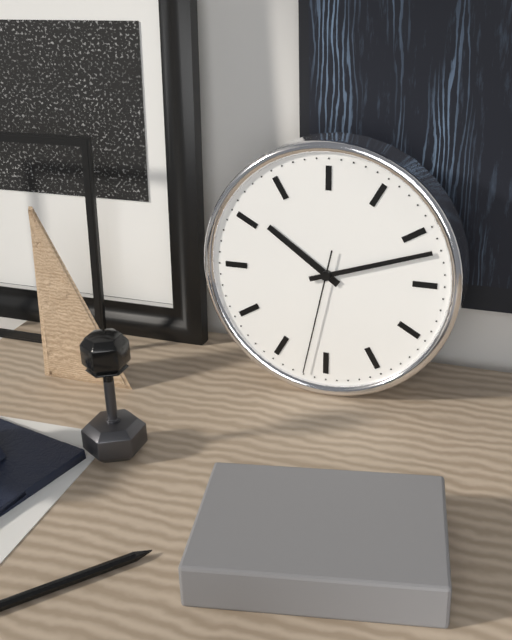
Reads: 10:12:32
